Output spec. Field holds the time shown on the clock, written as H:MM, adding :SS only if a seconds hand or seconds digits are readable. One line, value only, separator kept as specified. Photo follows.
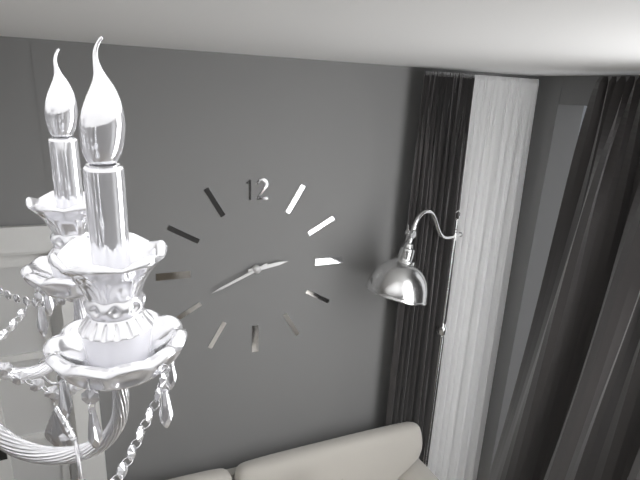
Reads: 2:41
